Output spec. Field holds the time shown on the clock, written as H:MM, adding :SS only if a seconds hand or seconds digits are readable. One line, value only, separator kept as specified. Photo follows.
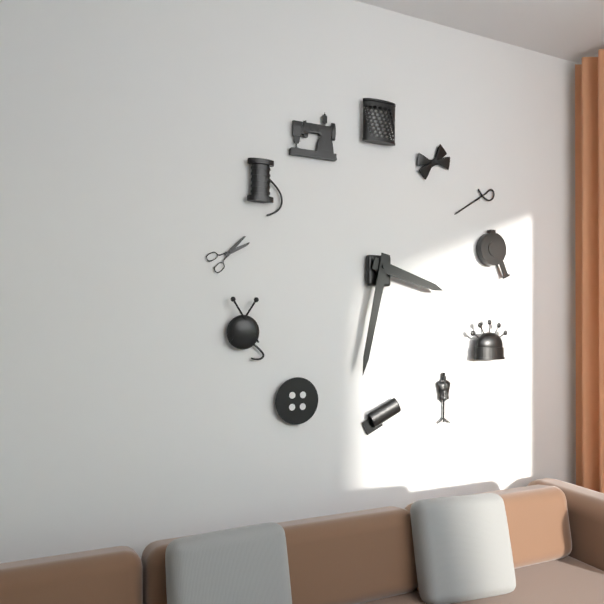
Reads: 3:32
